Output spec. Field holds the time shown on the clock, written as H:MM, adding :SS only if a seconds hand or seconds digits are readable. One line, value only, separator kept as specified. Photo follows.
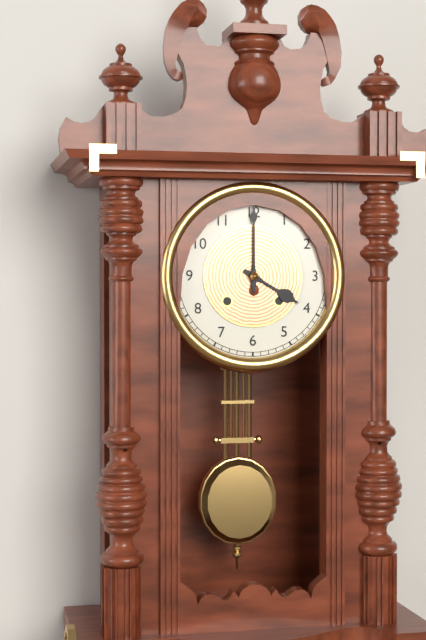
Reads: 4:00
